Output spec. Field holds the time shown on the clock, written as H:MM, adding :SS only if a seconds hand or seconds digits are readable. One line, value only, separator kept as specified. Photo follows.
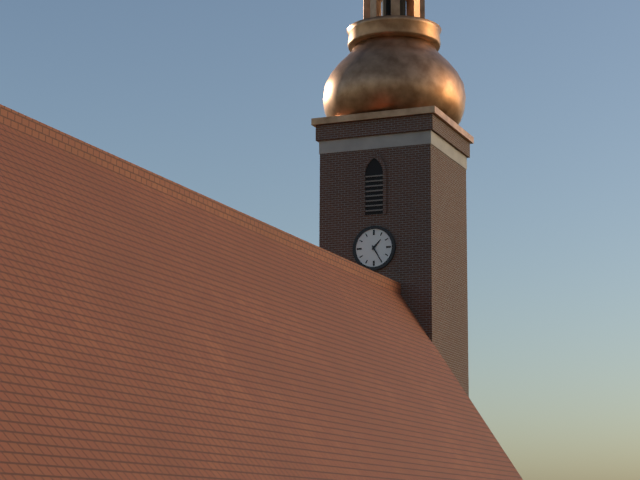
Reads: 1:25
